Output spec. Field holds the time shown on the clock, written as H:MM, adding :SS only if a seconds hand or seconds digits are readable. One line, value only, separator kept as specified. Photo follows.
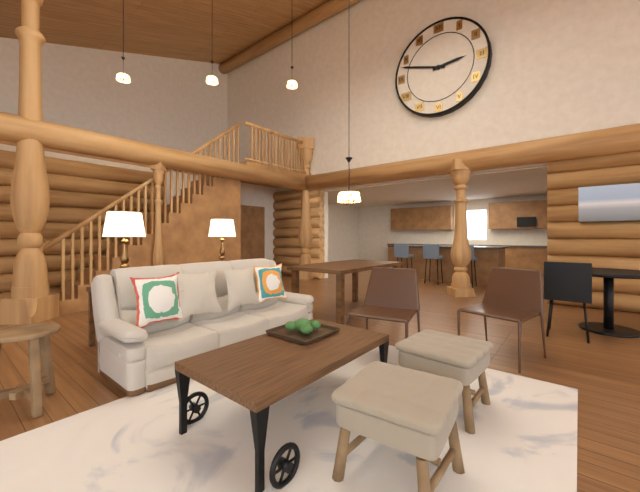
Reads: 2:48
